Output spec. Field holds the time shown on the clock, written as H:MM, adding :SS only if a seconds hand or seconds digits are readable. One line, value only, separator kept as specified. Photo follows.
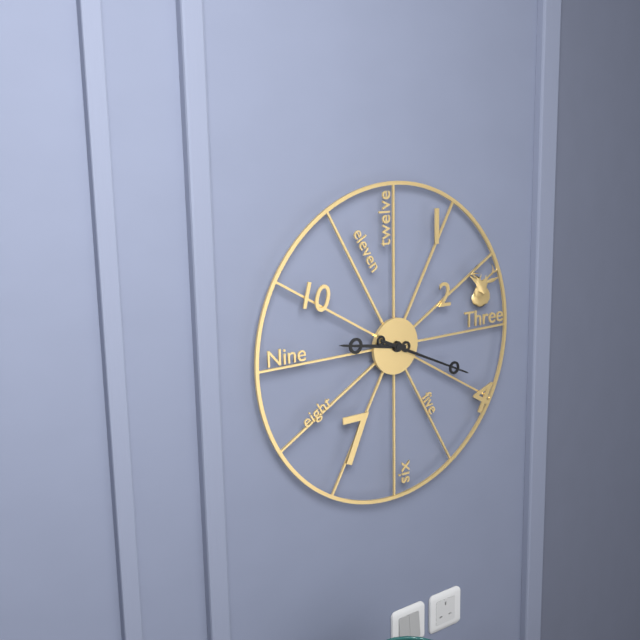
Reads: 9:19
